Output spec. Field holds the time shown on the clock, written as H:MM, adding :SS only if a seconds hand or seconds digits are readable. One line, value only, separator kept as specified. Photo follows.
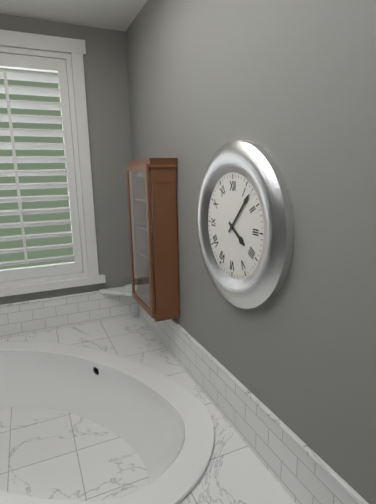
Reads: 4:07
